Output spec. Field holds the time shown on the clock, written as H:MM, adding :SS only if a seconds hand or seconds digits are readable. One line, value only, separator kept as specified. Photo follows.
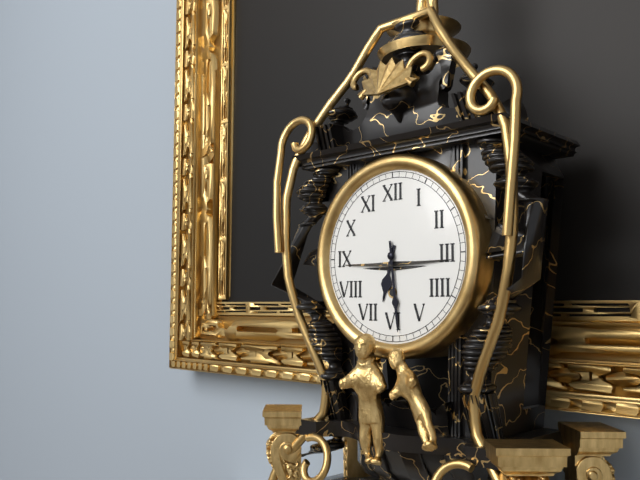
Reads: 6:29
